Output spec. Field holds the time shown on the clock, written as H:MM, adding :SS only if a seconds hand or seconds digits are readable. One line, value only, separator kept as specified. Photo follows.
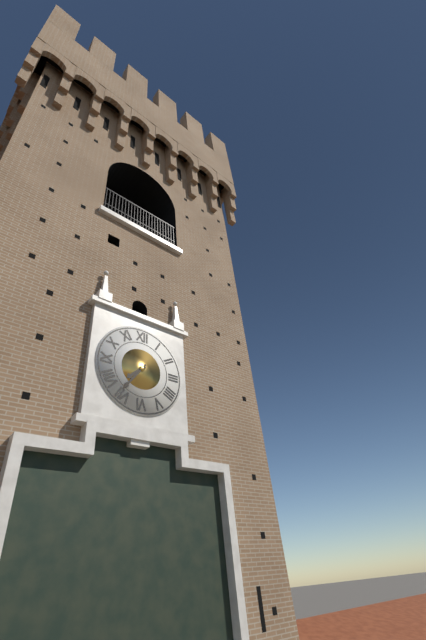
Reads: 7:36
